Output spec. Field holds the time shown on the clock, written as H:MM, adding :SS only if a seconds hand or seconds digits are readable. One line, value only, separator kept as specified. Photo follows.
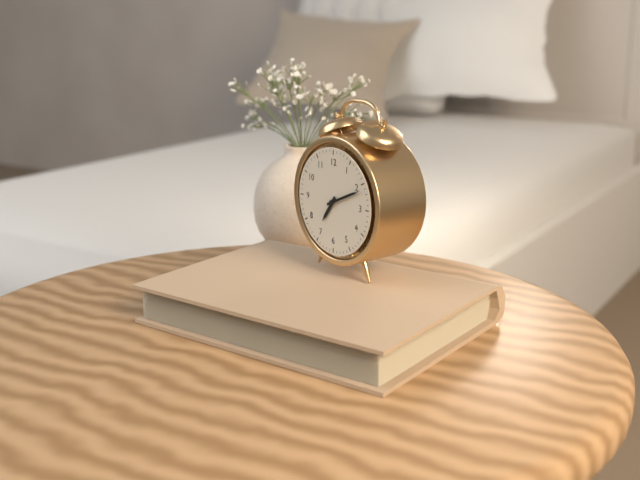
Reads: 7:11
